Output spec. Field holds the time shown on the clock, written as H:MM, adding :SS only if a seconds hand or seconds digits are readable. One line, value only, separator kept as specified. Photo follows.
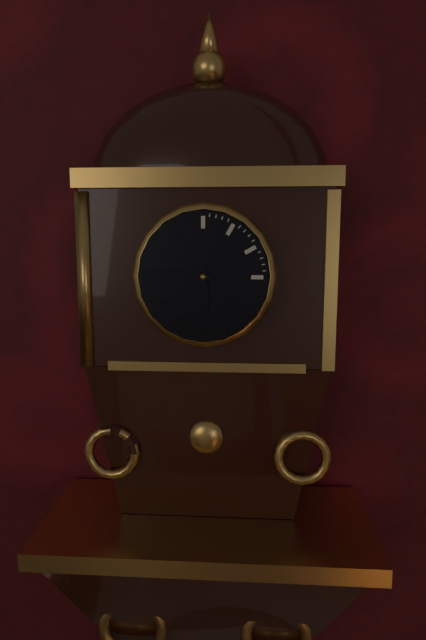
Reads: 5:46
